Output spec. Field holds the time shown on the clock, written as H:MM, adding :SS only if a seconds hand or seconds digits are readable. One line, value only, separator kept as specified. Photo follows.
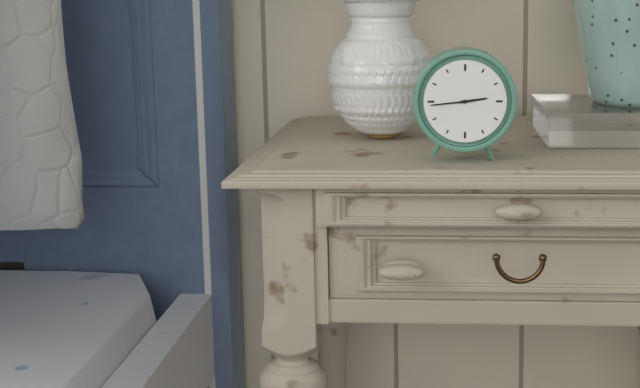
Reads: 2:44
